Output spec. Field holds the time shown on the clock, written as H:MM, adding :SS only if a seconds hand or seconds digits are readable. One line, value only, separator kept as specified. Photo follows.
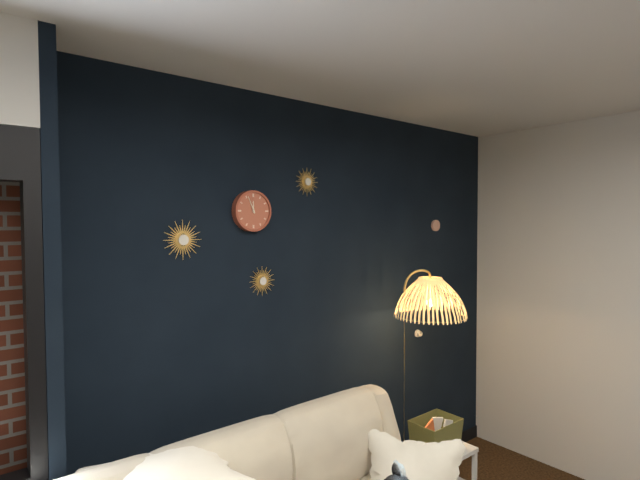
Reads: 11:56
